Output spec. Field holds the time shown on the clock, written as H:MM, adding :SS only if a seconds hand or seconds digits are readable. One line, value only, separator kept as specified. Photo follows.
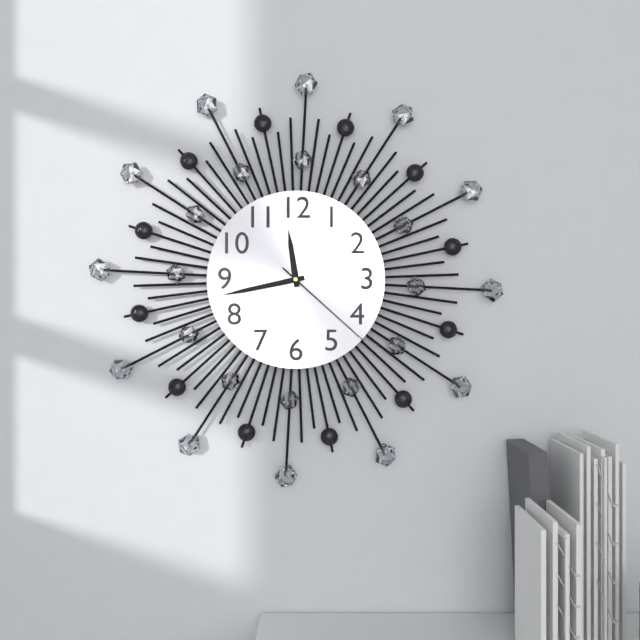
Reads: 11:43:22
